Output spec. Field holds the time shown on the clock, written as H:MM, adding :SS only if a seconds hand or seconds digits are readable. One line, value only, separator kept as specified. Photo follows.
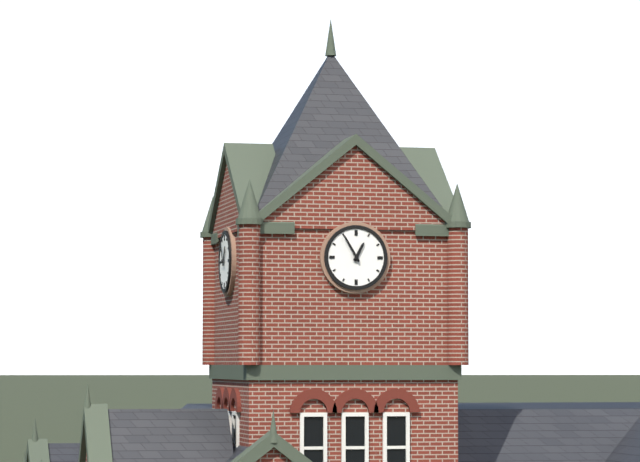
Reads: 12:55
